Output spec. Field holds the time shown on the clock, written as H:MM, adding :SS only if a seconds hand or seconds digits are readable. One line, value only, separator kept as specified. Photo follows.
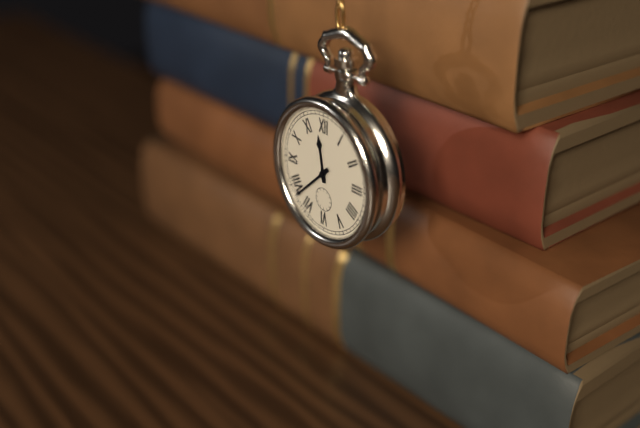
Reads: 11:38
